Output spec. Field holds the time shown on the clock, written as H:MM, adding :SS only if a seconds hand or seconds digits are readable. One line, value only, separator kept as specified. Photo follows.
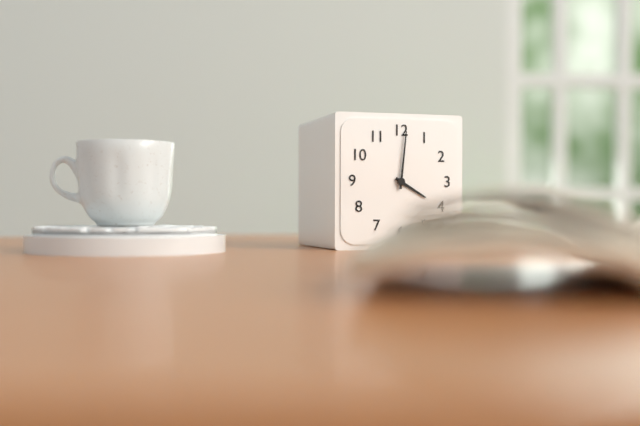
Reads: 4:01
